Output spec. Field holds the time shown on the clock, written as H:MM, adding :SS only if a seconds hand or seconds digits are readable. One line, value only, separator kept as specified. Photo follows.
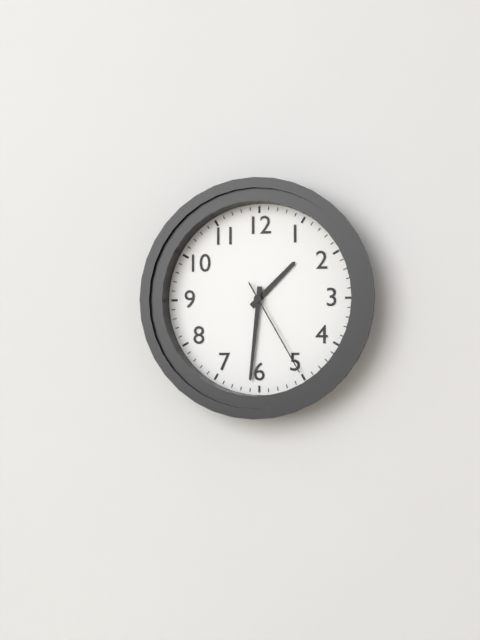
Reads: 1:31:25
